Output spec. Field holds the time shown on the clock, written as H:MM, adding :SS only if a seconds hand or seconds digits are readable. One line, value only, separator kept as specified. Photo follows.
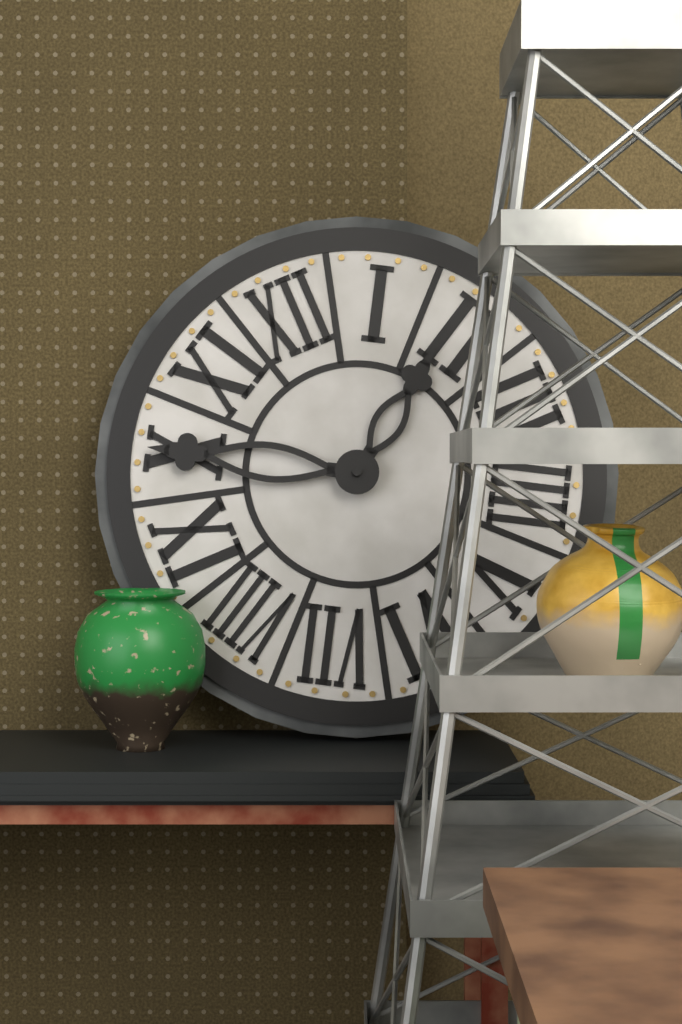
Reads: 1:50
